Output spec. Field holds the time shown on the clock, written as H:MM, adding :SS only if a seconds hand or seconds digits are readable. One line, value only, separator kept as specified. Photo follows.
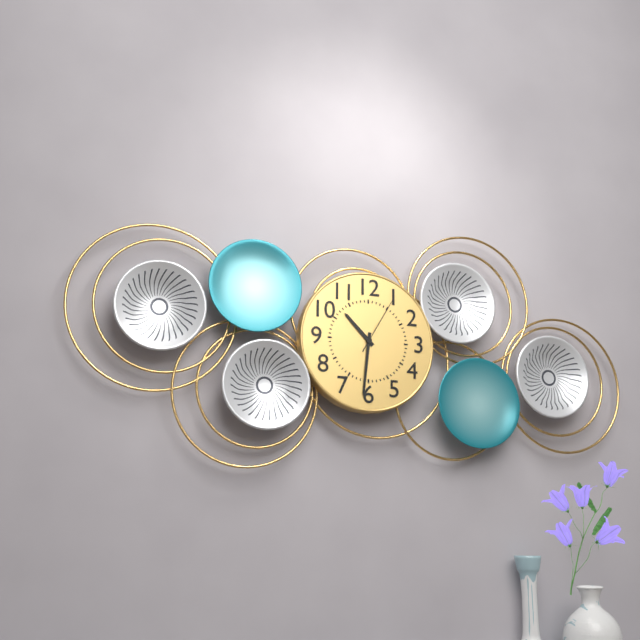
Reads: 10:31:05
